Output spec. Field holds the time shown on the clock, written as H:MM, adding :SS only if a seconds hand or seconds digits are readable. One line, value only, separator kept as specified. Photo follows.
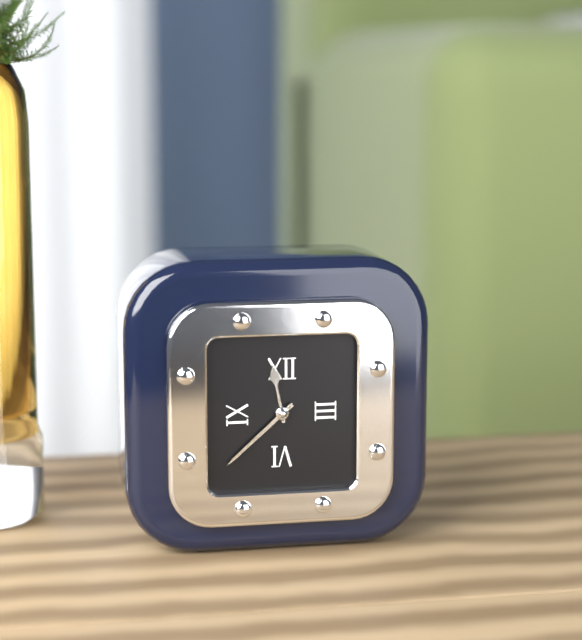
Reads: 11:38
